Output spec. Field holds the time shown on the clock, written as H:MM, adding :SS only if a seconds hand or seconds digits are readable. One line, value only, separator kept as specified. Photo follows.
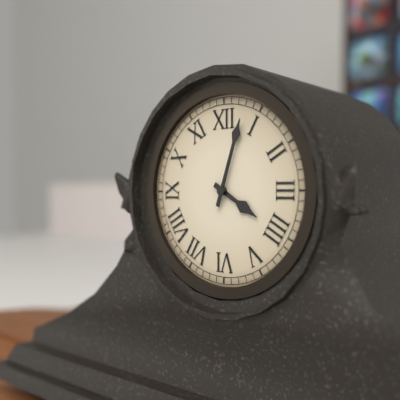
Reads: 4:03
